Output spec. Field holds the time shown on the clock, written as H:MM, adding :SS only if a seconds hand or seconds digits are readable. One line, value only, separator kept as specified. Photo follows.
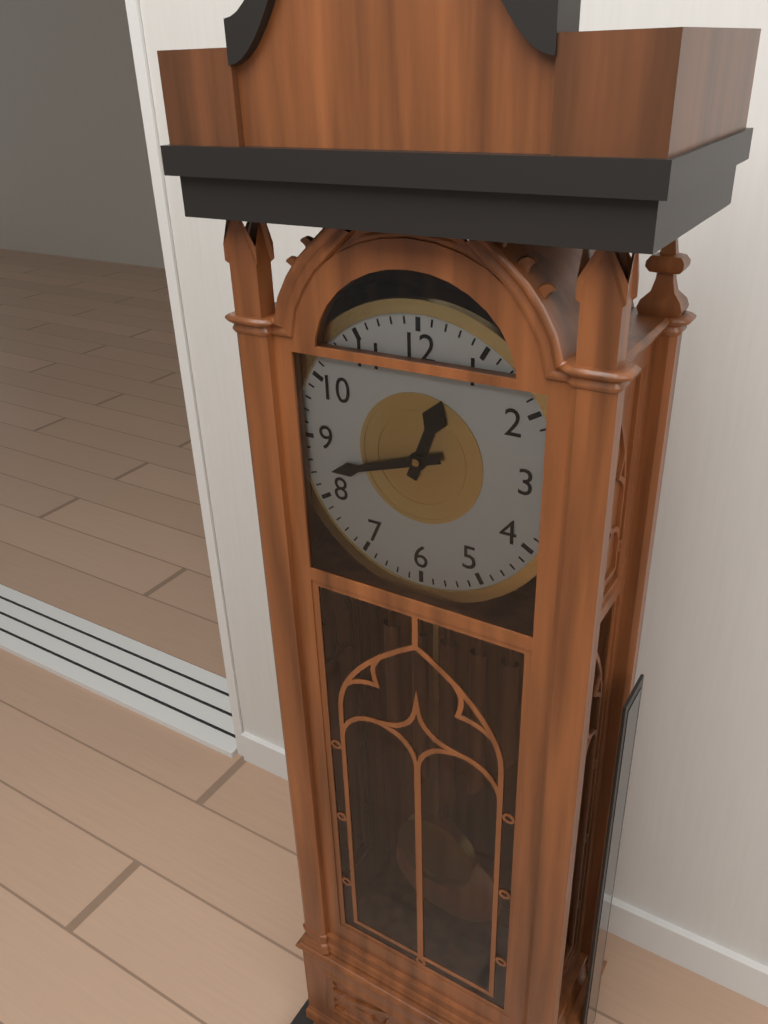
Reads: 12:42
